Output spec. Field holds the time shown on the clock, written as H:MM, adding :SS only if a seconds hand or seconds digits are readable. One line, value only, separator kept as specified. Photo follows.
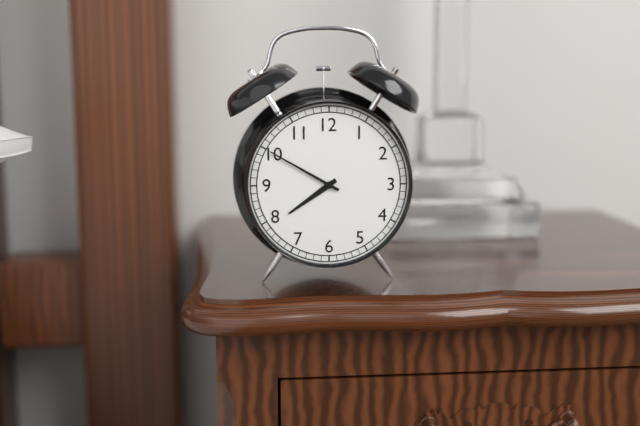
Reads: 7:50
